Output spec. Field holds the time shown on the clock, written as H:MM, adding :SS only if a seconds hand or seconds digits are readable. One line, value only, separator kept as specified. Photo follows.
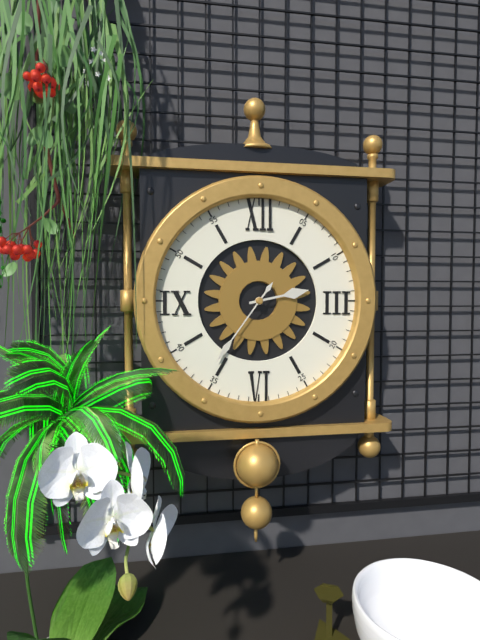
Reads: 2:36
